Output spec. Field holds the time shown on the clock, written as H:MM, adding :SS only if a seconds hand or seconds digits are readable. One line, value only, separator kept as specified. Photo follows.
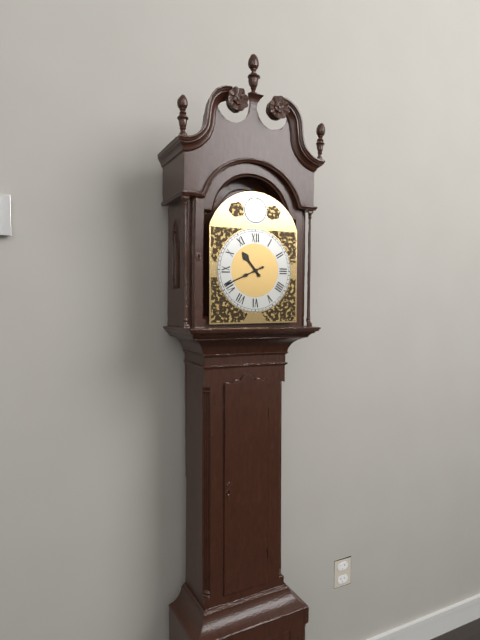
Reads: 10:41
